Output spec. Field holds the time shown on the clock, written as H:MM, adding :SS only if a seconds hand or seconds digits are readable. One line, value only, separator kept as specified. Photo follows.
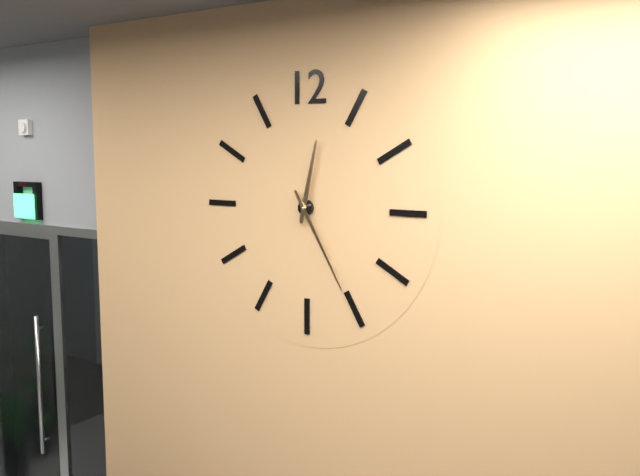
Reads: 12:25
